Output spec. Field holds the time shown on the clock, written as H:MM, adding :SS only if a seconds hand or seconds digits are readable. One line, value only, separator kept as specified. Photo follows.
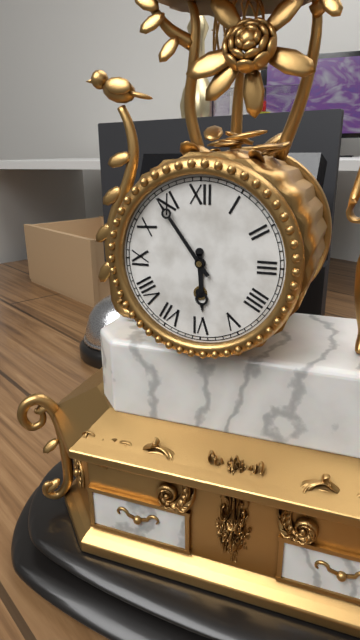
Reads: 5:54
